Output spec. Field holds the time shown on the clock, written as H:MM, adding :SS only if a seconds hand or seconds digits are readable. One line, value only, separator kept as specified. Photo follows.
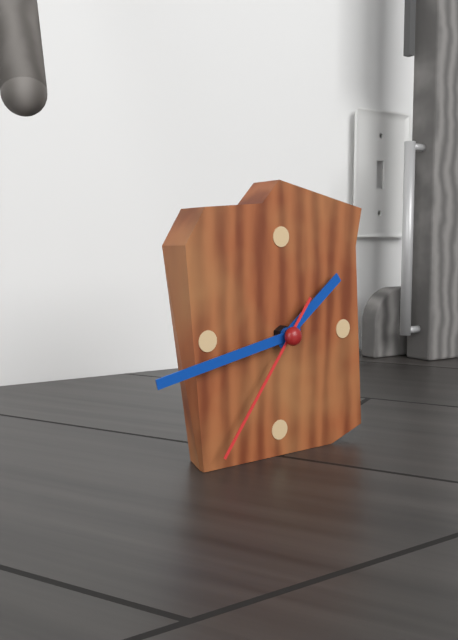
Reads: 1:43:36
